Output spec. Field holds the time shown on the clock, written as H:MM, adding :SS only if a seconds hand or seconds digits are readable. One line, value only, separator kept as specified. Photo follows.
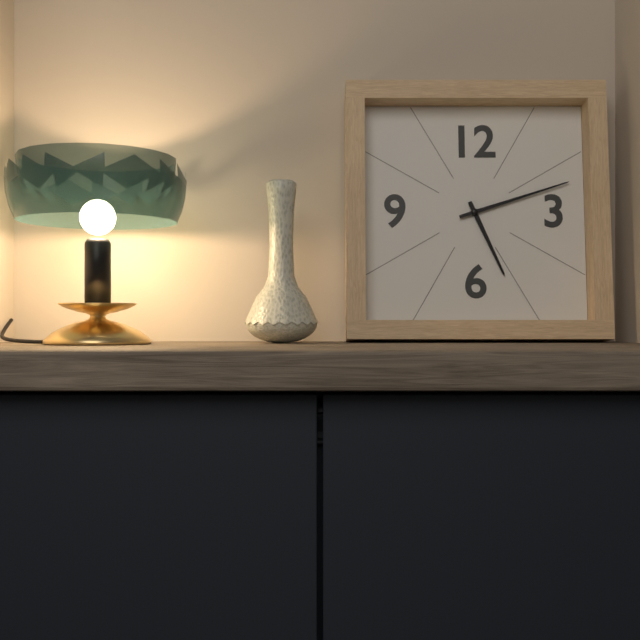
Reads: 5:12
